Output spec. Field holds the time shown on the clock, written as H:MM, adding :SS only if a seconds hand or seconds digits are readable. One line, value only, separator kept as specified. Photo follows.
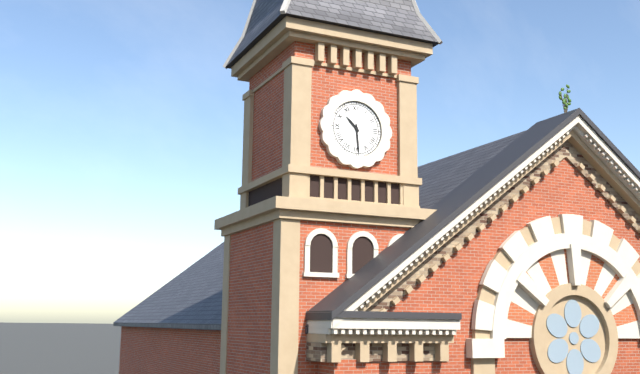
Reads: 10:29
